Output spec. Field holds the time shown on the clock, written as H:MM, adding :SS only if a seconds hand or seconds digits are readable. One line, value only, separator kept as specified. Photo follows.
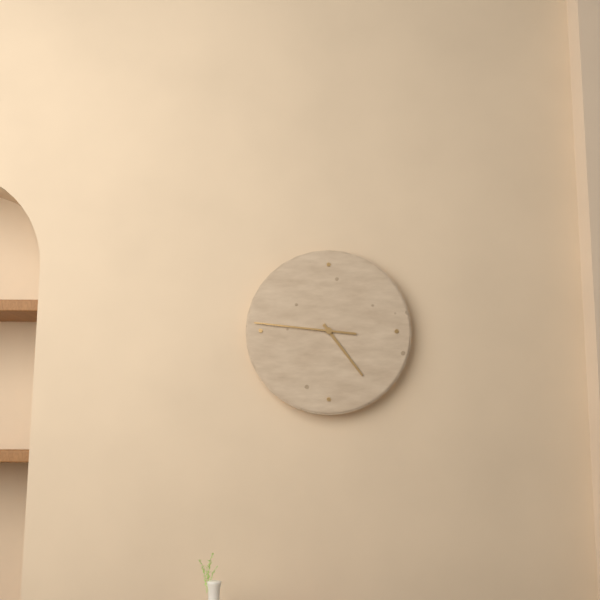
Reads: 4:46
